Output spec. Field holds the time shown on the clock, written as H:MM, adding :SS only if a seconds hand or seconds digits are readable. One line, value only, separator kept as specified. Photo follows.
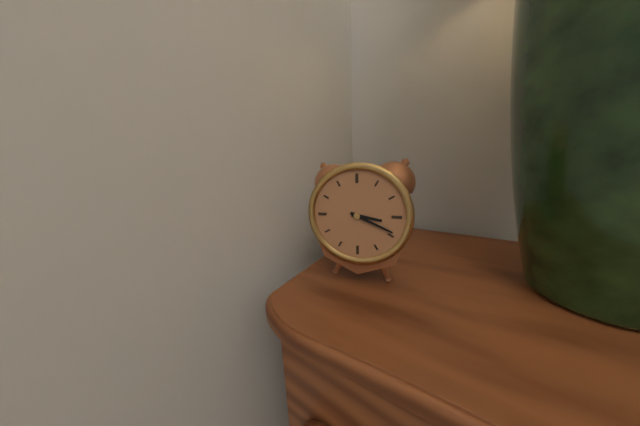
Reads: 3:19
